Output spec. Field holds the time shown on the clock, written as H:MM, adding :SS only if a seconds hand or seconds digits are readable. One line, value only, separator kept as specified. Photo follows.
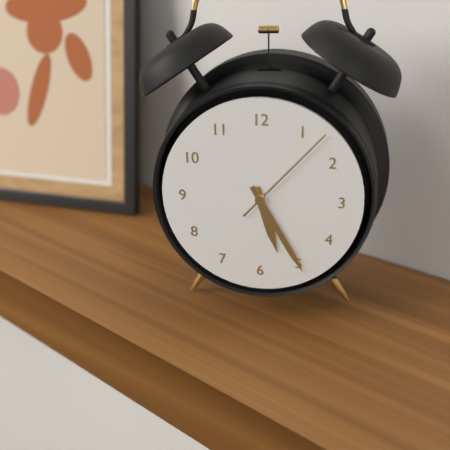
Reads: 5:25:07
